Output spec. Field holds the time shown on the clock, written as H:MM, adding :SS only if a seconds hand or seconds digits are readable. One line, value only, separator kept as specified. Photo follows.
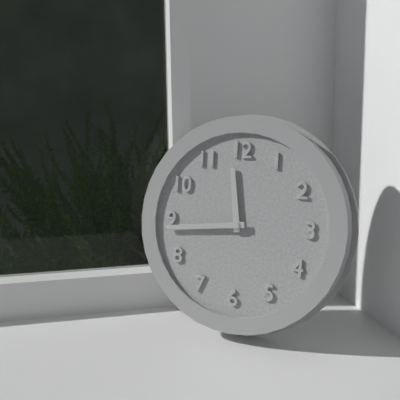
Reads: 11:44
